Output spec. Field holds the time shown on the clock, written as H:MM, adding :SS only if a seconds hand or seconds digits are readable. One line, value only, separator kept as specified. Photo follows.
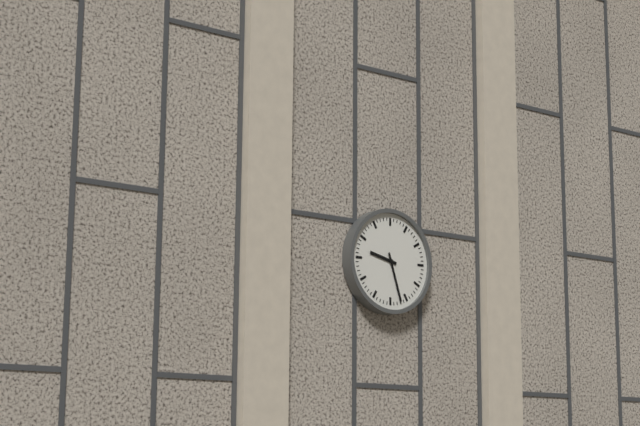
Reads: 9:27
